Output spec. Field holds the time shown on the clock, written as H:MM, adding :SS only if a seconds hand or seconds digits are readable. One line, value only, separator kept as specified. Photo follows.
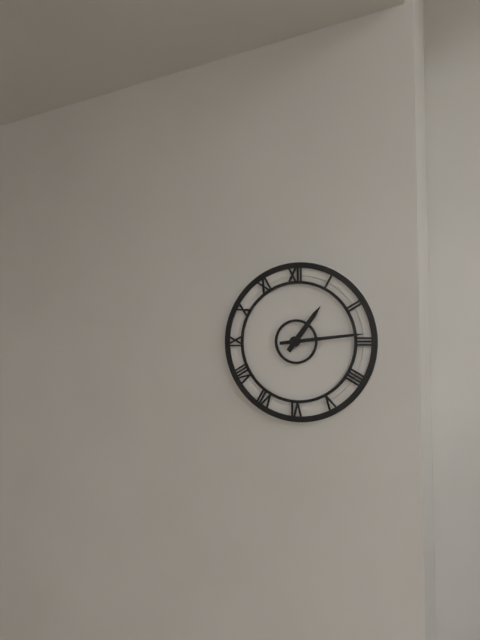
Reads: 1:14
